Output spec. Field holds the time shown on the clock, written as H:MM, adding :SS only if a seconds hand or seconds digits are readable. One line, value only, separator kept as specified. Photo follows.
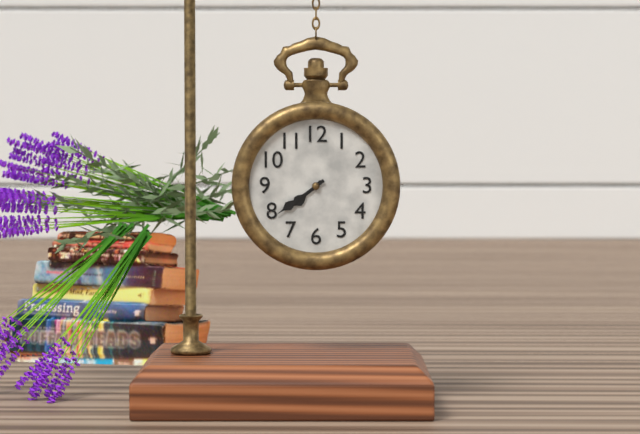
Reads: 7:39
